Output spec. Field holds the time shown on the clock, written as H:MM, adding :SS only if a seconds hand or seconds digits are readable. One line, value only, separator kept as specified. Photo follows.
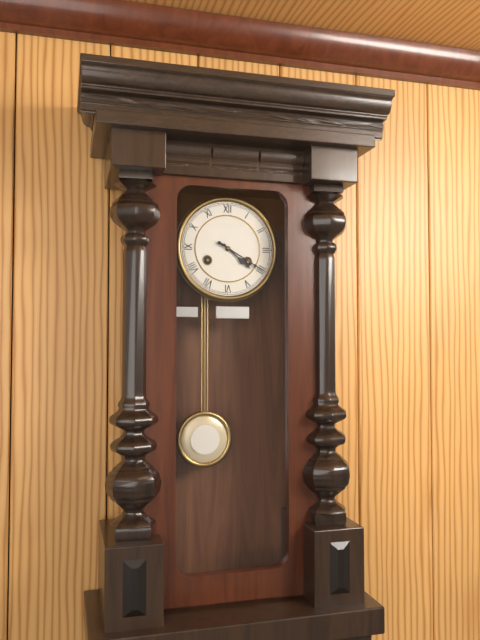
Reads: 4:20
